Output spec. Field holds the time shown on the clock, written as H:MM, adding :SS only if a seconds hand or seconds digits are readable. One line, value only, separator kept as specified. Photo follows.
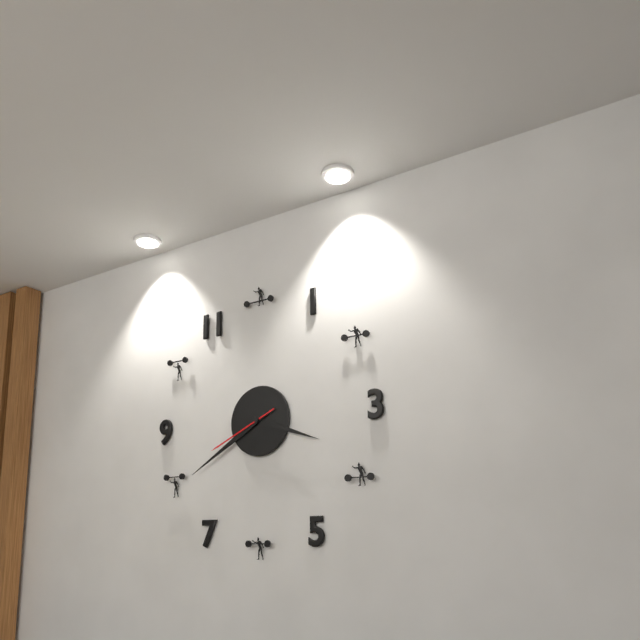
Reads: 3:40:41
